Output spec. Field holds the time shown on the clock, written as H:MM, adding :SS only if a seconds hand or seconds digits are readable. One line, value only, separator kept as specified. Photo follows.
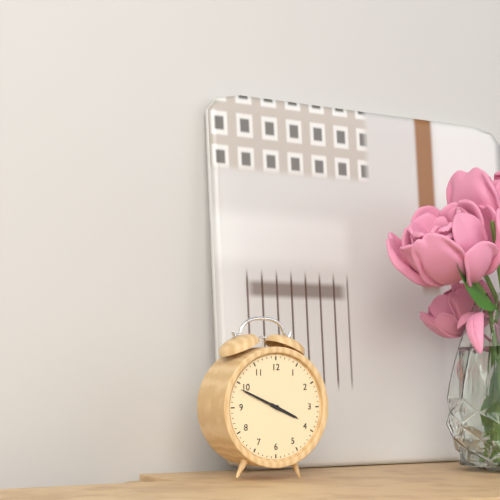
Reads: 3:49
